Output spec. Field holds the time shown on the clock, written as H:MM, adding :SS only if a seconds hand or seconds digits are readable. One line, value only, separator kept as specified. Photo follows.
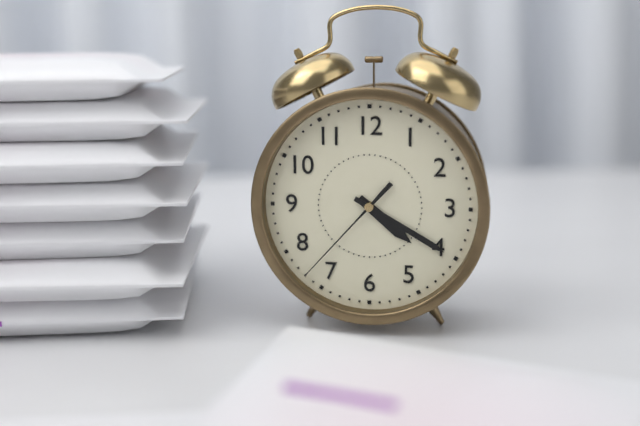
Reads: 4:20:37
